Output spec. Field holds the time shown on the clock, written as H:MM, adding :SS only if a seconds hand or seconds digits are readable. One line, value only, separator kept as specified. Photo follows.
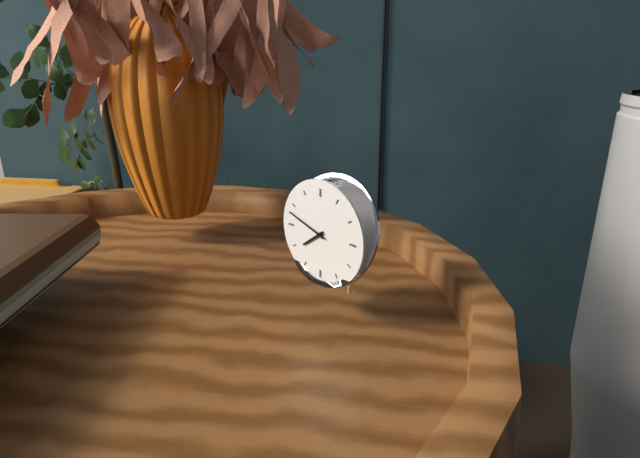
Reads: 7:48
